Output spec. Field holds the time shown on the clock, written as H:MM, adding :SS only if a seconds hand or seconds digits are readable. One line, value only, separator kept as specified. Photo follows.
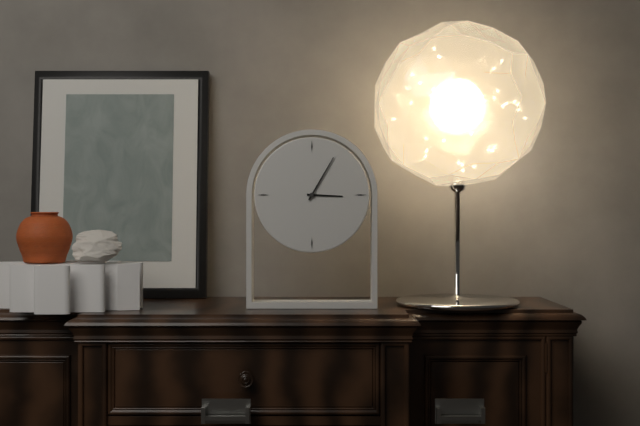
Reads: 3:05
